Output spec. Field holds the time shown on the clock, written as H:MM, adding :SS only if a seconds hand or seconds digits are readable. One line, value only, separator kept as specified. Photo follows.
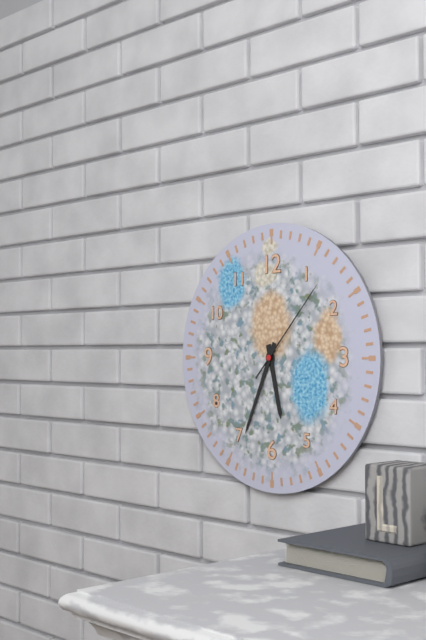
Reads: 5:34:07
